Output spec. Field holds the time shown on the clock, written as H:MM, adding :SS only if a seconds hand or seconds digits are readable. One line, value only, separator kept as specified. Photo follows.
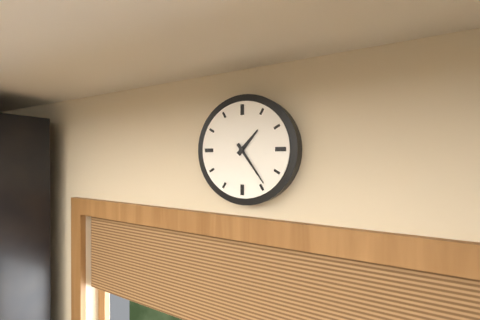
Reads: 1:24
